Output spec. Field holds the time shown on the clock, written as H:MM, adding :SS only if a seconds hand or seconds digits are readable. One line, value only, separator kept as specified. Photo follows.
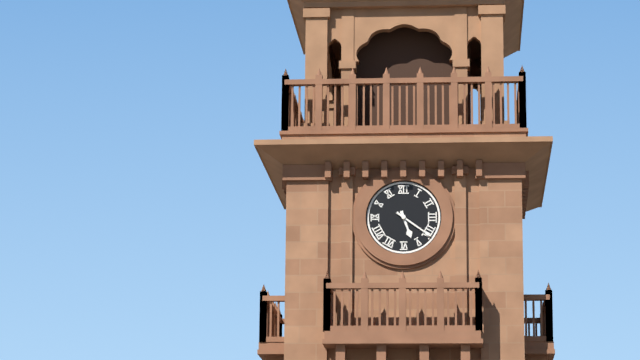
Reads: 5:21
